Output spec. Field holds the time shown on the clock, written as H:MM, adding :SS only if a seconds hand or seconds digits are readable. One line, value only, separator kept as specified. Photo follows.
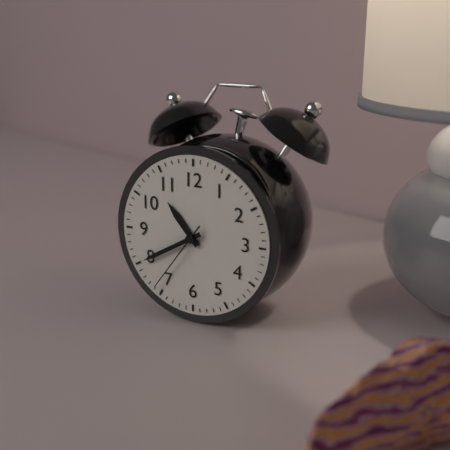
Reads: 10:40:36
